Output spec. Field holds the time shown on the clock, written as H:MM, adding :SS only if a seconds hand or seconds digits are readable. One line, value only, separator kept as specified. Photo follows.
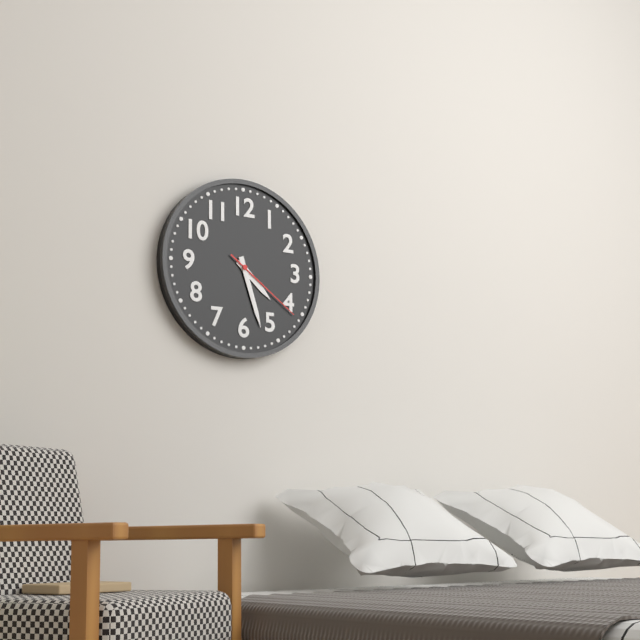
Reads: 4:27:21
